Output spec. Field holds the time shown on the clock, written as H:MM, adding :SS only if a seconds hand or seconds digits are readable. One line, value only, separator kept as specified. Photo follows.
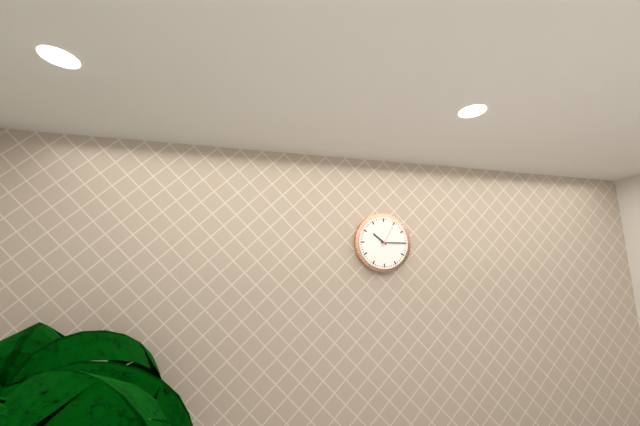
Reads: 10:15
